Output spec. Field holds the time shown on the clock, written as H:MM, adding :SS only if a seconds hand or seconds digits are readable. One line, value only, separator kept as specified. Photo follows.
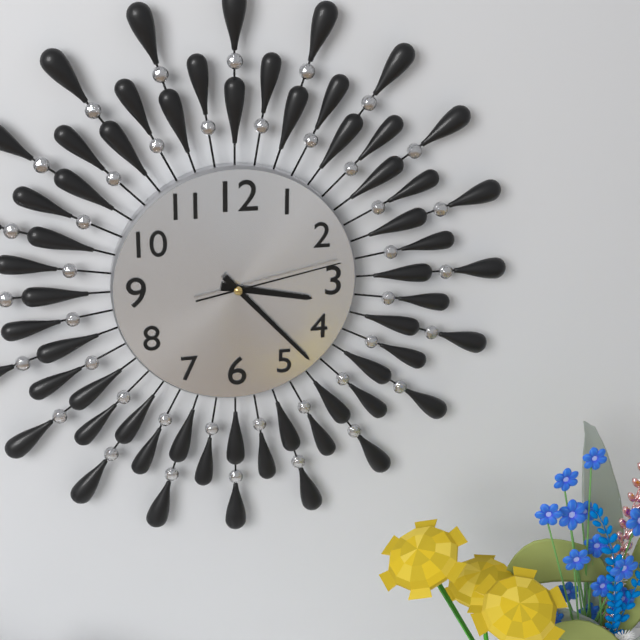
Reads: 3:23:13
